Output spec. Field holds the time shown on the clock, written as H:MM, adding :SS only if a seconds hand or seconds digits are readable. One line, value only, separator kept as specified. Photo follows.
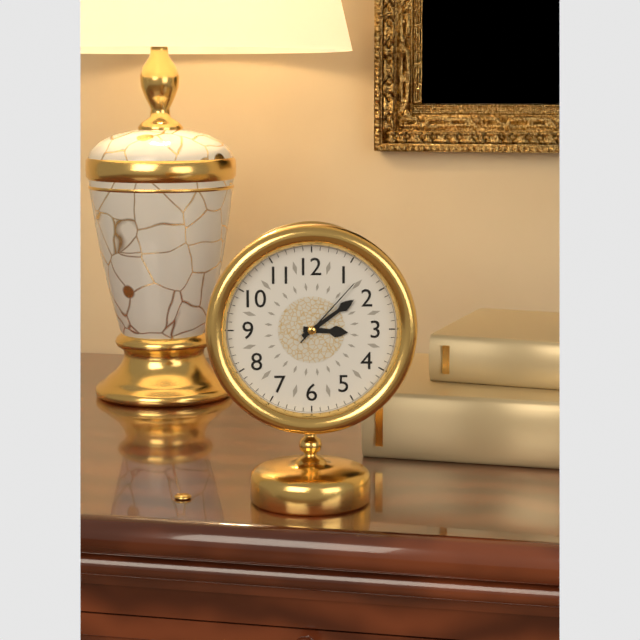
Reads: 3:09:07
